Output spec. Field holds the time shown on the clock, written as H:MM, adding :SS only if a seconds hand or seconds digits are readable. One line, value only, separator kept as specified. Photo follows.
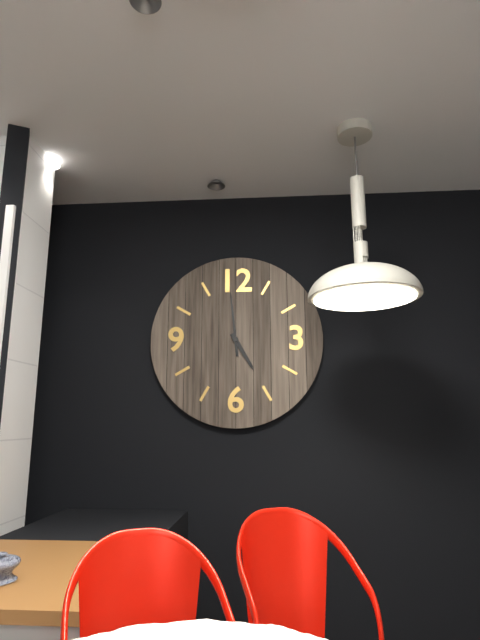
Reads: 4:59
